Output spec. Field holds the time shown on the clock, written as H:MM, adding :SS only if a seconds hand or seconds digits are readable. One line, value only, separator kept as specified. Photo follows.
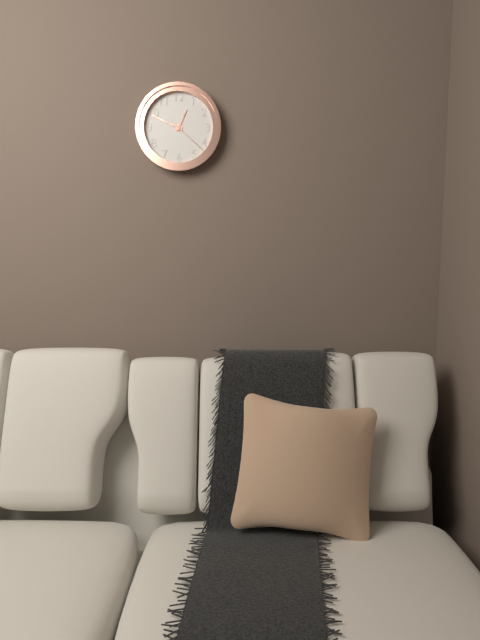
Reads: 12:49
